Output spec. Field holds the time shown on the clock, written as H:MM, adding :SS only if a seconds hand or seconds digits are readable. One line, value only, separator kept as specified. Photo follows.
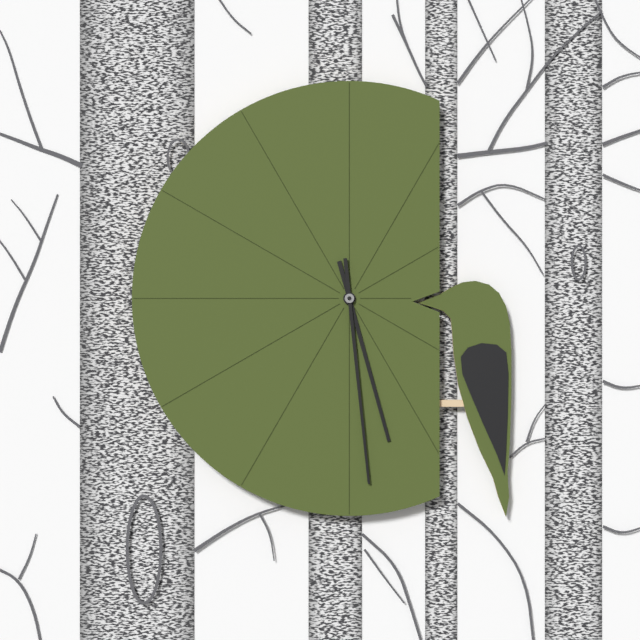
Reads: 5:29
